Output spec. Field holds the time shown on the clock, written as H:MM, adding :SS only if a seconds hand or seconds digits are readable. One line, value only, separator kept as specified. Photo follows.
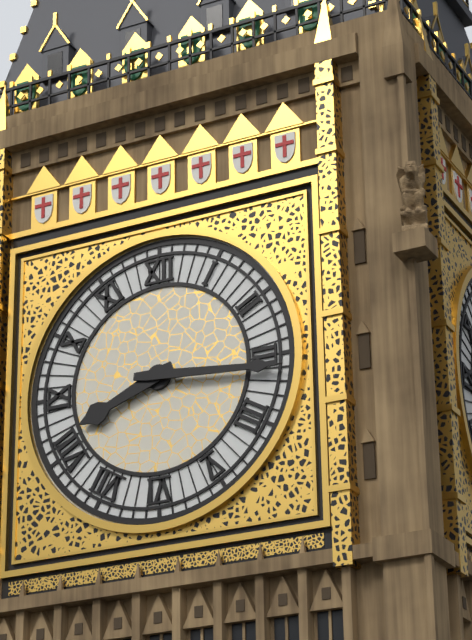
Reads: 8:16
